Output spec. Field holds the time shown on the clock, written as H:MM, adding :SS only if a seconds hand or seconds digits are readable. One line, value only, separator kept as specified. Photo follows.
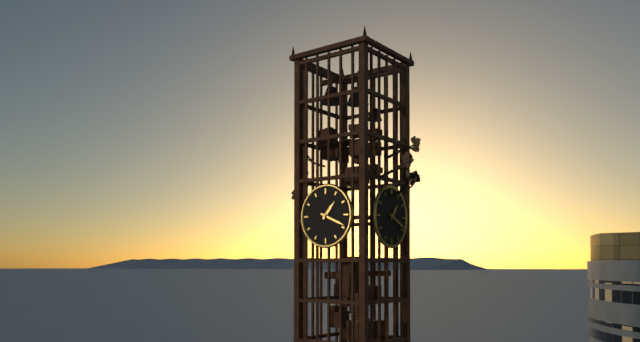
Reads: 1:19
